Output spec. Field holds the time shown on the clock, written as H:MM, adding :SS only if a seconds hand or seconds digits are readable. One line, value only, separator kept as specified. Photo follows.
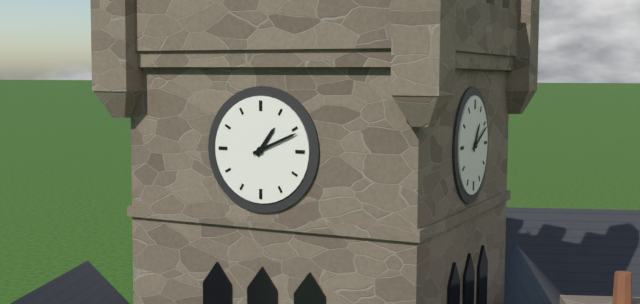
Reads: 1:11
